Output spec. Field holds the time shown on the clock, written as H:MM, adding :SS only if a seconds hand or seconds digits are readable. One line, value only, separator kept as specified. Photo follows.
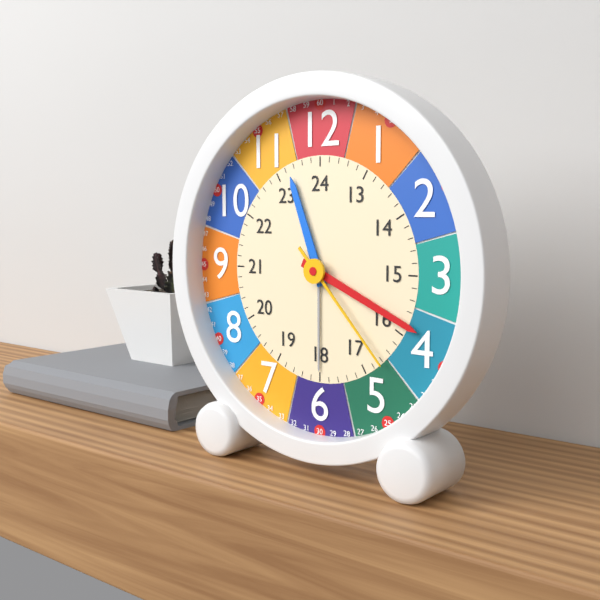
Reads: 11:19:23
